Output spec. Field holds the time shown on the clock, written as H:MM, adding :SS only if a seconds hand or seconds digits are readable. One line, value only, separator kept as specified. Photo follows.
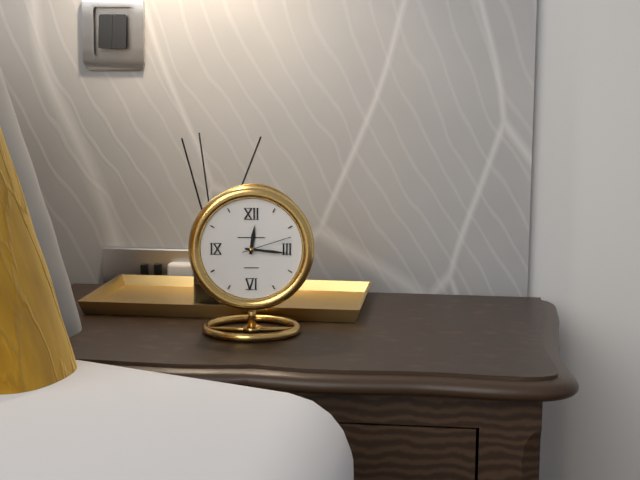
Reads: 12:16:12
